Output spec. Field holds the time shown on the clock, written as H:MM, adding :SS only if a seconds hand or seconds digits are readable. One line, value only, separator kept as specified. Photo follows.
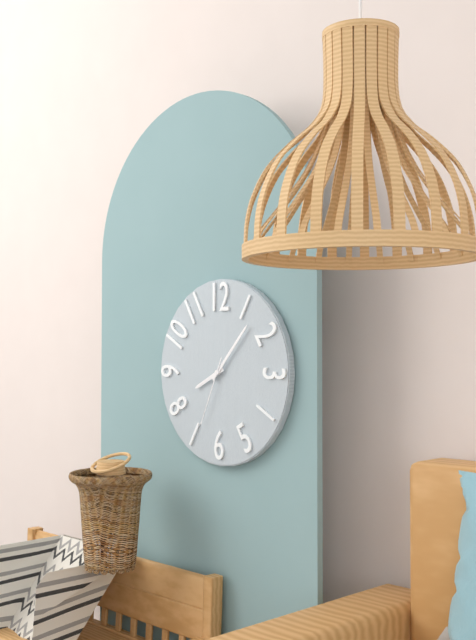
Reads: 8:07:34
